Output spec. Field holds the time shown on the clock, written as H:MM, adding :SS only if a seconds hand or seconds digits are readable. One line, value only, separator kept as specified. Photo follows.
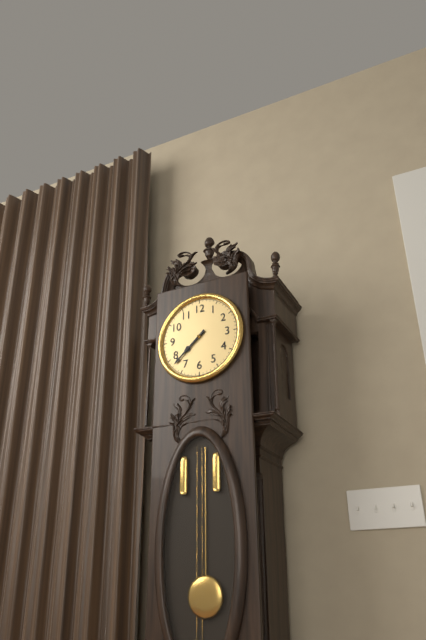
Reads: 7:38
